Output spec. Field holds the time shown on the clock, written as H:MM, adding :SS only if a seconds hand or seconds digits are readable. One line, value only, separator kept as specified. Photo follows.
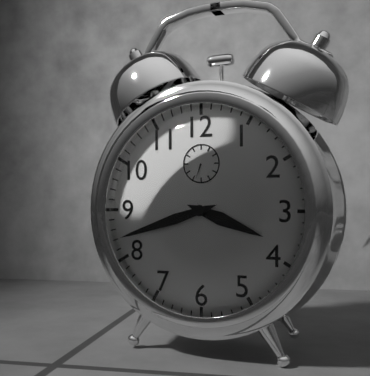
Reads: 3:42
